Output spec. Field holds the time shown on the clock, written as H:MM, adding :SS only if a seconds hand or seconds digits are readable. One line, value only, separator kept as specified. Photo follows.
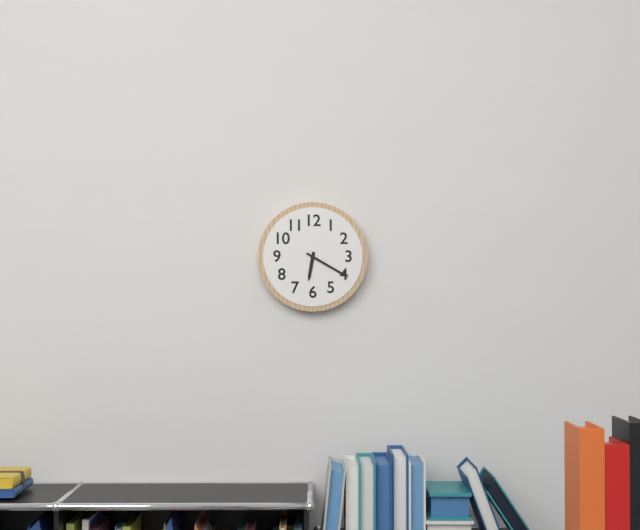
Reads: 6:20
